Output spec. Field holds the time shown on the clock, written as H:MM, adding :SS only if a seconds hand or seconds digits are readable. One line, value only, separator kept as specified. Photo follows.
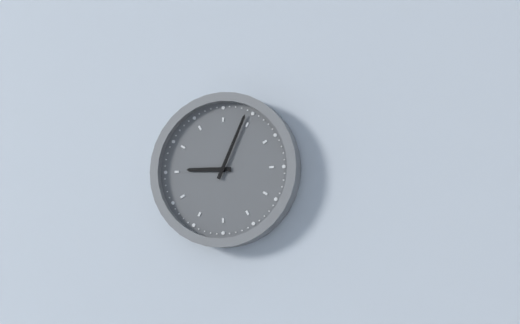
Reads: 9:04
